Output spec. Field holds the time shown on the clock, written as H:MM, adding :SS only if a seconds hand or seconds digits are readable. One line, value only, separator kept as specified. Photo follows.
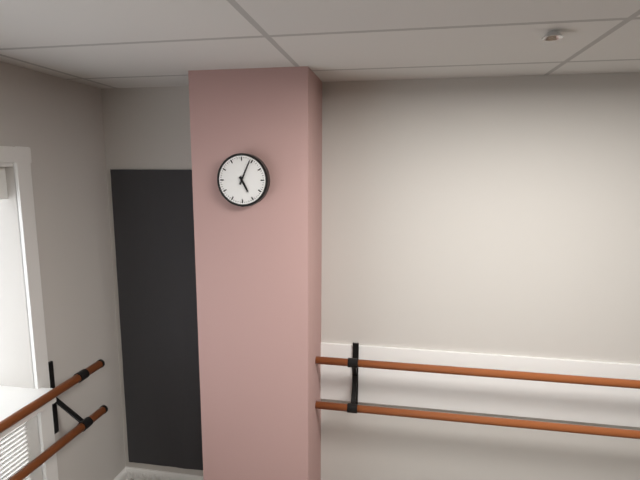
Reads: 5:04
